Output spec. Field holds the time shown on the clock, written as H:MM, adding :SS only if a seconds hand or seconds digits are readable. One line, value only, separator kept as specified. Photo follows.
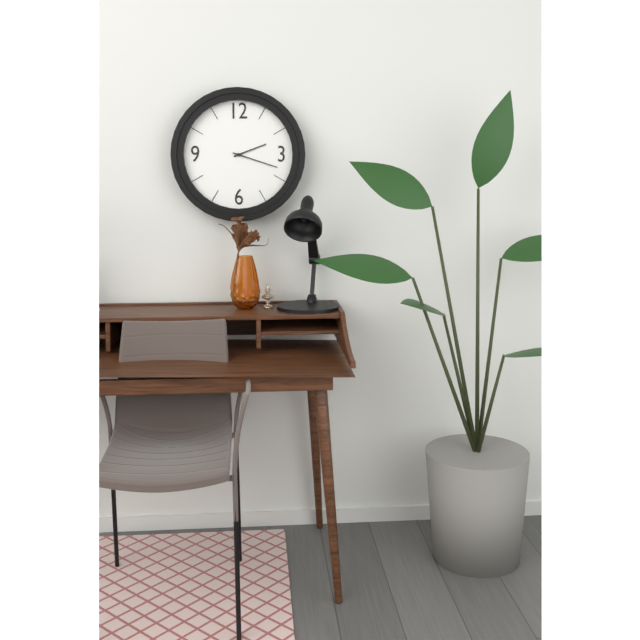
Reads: 2:18
